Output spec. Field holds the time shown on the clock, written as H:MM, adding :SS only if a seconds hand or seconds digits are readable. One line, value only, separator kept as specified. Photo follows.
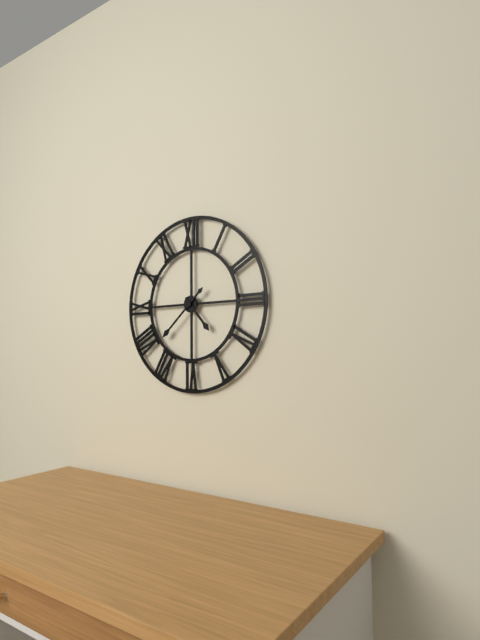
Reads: 4:38
